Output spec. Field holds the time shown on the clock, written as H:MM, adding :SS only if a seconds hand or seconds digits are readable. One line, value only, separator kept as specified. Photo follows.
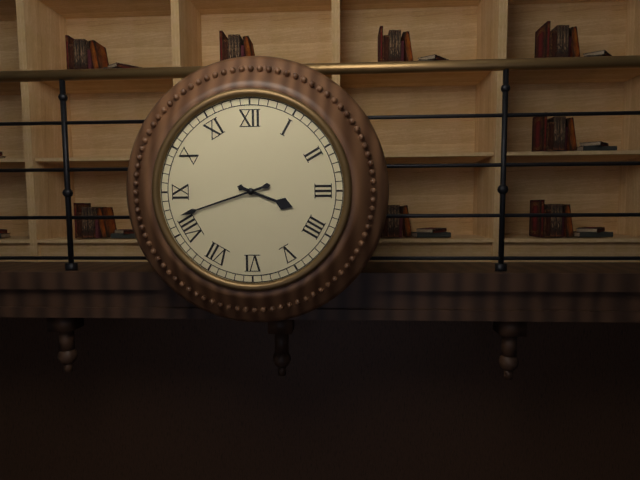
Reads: 3:42
